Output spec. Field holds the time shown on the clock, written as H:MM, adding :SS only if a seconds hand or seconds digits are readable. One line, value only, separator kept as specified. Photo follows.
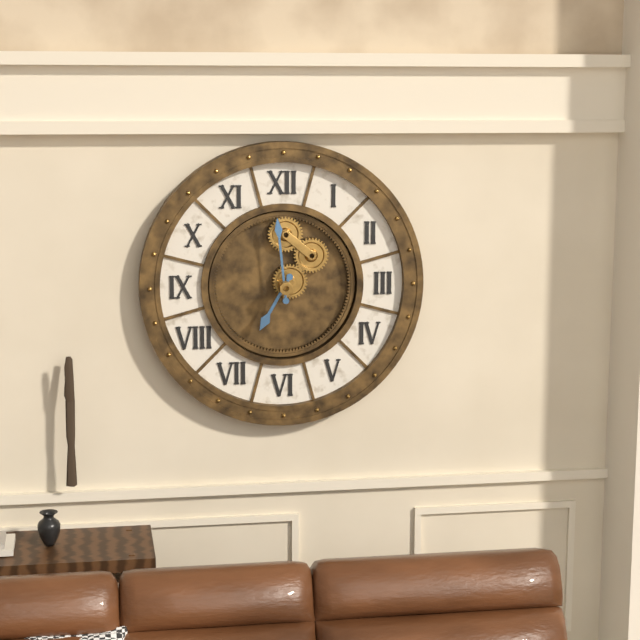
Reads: 6:59
